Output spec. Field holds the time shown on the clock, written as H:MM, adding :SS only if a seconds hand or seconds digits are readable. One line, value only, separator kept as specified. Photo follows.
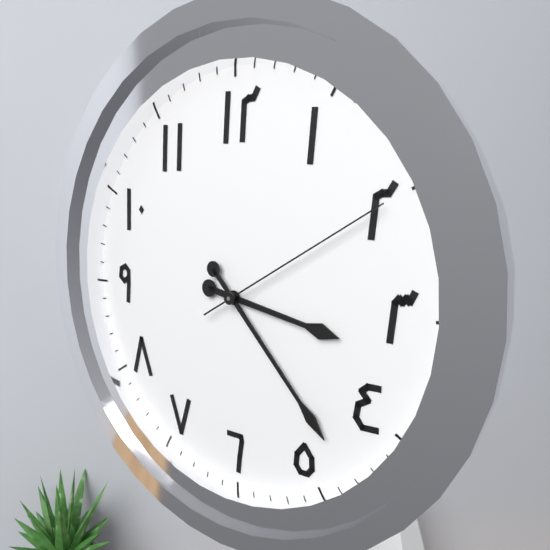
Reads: 3:23:10
